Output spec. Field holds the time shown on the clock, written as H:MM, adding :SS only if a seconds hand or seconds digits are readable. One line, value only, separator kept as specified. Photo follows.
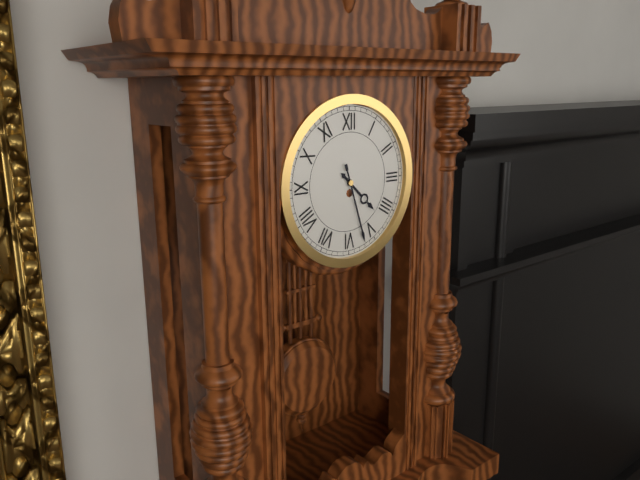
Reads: 4:27
